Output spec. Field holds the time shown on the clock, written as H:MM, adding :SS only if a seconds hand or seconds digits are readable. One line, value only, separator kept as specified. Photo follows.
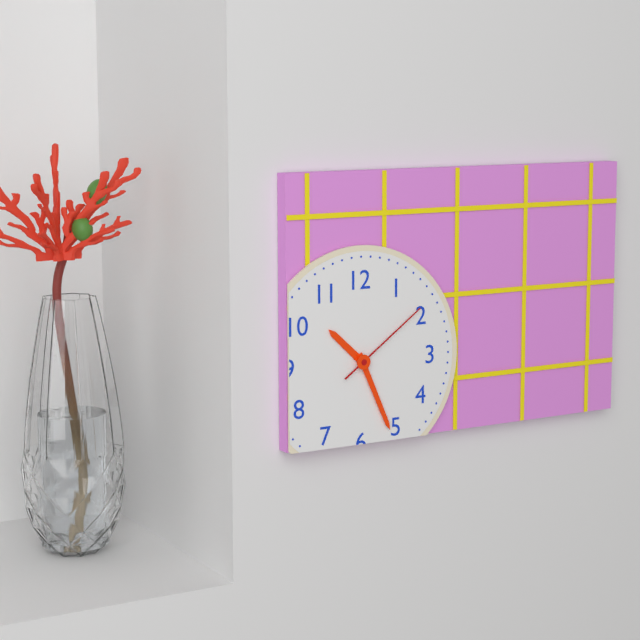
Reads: 10:26:09
